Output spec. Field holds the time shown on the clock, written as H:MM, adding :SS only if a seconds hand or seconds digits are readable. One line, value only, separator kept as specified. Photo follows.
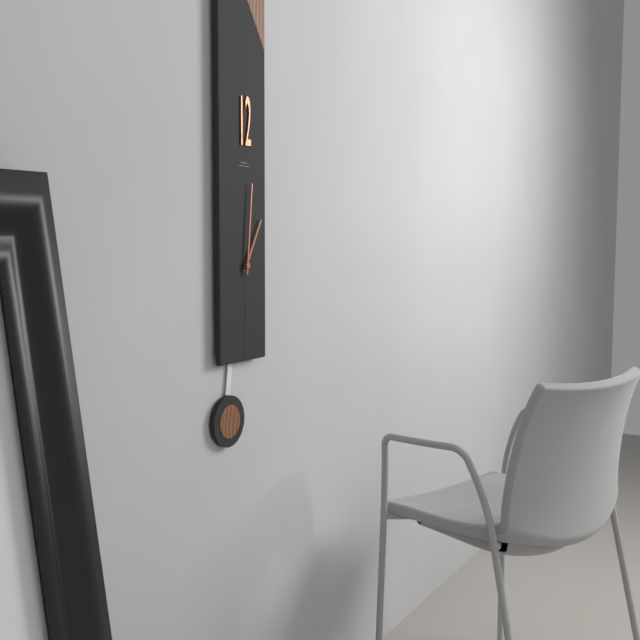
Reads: 1:01
